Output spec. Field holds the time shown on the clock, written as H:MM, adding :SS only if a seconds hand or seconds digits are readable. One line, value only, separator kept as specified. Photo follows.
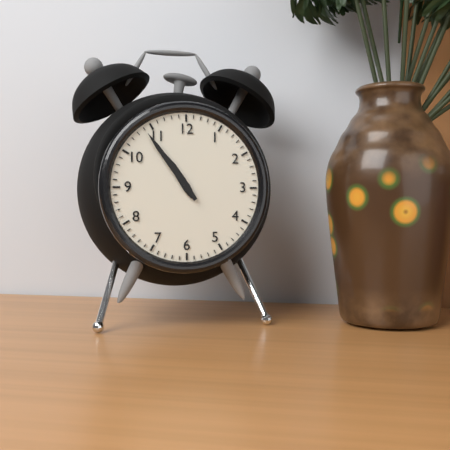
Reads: 10:54
